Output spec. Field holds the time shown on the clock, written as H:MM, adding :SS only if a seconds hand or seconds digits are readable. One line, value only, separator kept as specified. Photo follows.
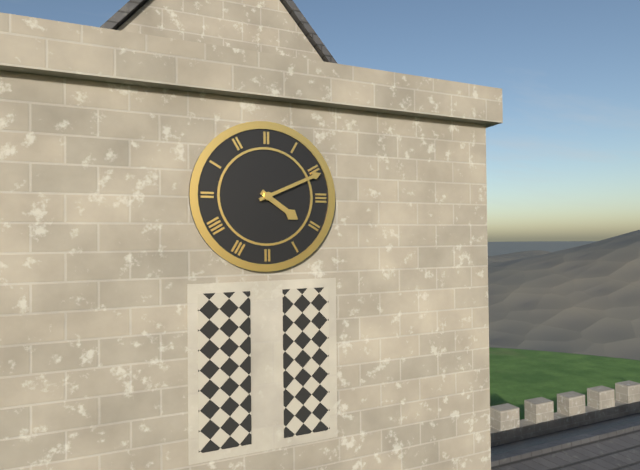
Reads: 4:11
